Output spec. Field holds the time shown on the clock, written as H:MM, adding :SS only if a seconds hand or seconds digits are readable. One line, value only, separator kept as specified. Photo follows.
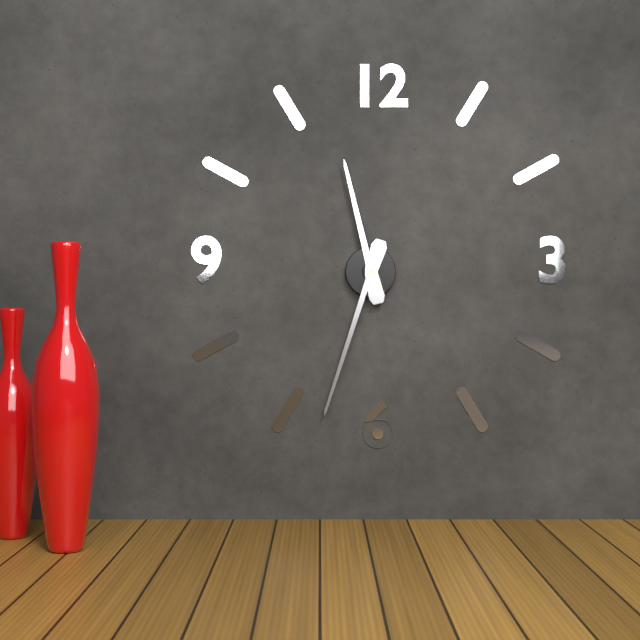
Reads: 11:33
